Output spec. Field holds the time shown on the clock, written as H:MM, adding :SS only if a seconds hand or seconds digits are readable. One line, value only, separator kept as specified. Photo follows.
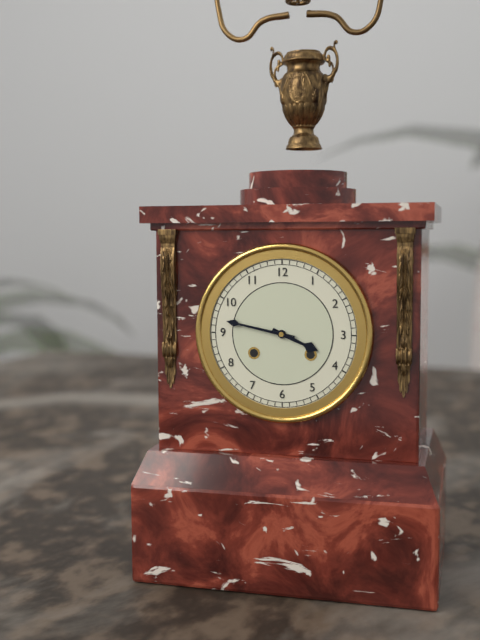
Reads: 3:47
